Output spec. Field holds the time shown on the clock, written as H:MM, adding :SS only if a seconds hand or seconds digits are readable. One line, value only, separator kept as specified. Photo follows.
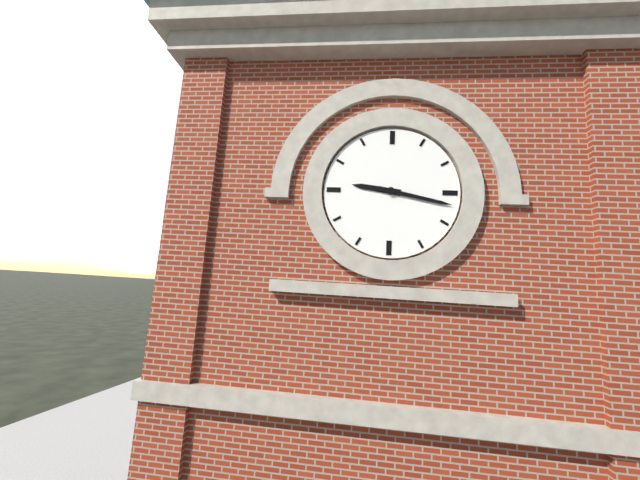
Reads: 9:17
